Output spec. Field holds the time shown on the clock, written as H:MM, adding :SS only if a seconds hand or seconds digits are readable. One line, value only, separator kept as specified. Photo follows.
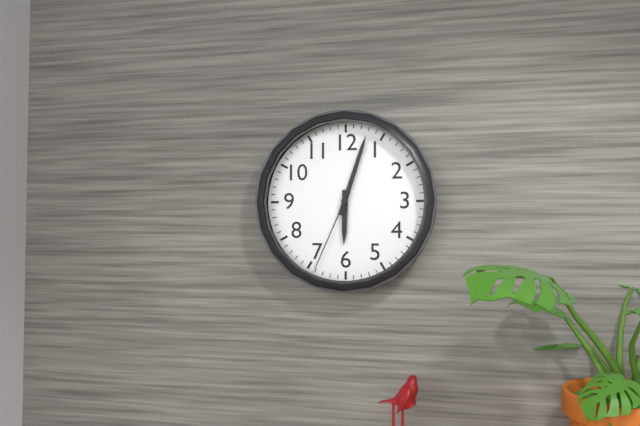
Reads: 6:03:34
